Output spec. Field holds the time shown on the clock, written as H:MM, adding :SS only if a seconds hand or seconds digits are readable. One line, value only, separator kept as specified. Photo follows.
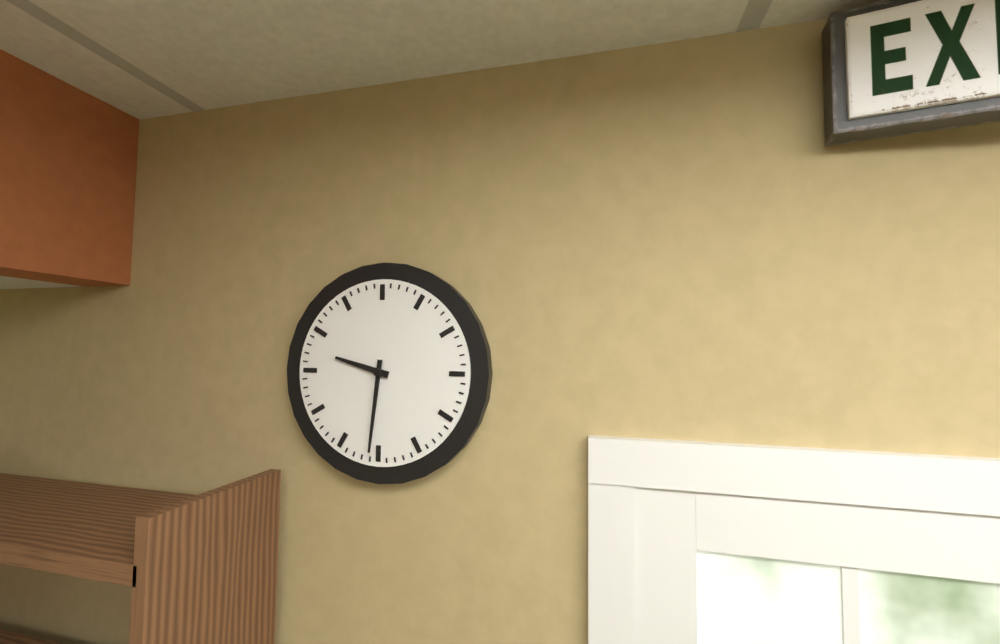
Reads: 9:31
